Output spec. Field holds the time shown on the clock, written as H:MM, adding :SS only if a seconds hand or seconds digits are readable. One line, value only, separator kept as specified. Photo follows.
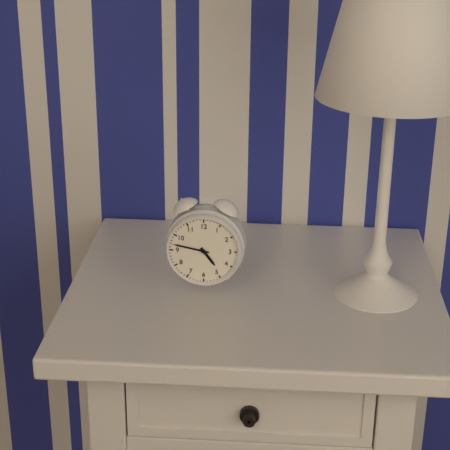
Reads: 4:47
